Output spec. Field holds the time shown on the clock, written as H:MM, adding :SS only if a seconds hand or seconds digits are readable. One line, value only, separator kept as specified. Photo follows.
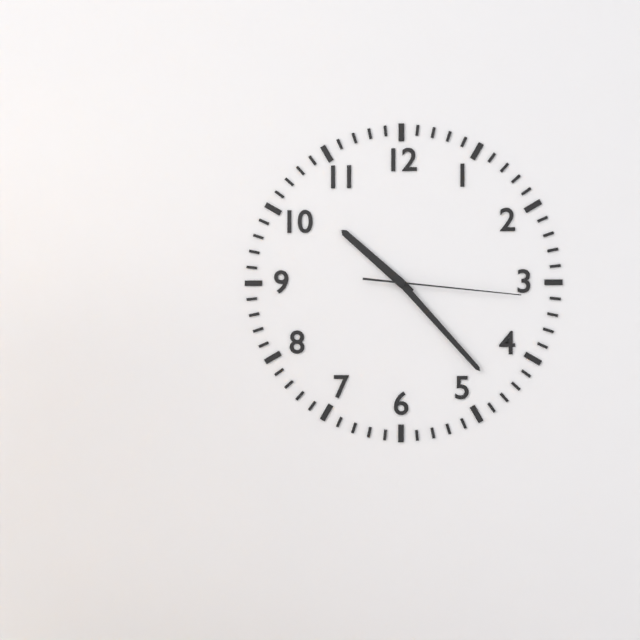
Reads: 10:23:16
